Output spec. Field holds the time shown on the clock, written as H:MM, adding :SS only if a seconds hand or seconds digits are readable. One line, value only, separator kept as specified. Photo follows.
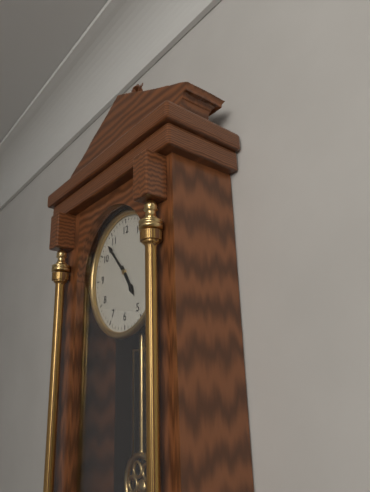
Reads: 4:53
